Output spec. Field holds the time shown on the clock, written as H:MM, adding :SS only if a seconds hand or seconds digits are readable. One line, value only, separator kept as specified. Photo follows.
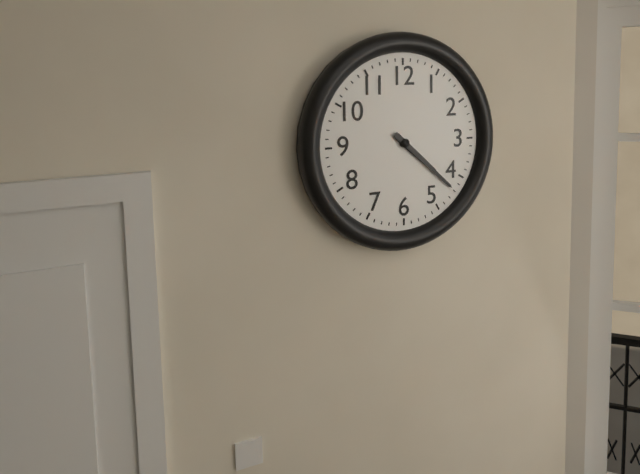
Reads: 4:22
